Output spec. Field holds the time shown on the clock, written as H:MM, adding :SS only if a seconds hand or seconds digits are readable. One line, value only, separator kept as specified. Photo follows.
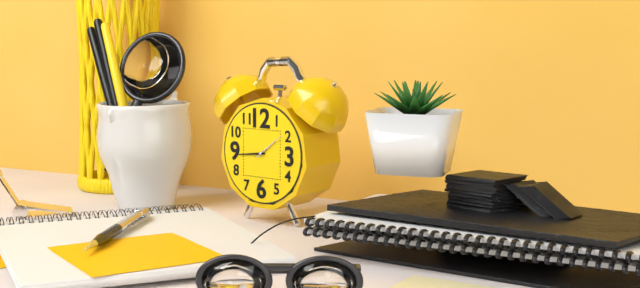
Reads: 1:44
